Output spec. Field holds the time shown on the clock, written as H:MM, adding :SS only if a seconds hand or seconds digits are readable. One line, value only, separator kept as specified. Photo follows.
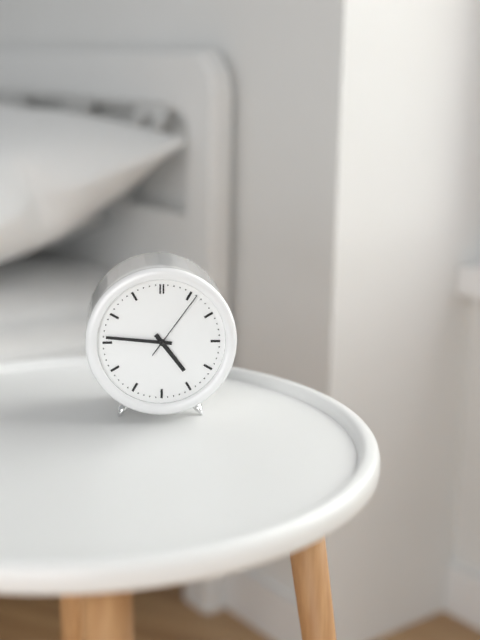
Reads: 4:46:06
